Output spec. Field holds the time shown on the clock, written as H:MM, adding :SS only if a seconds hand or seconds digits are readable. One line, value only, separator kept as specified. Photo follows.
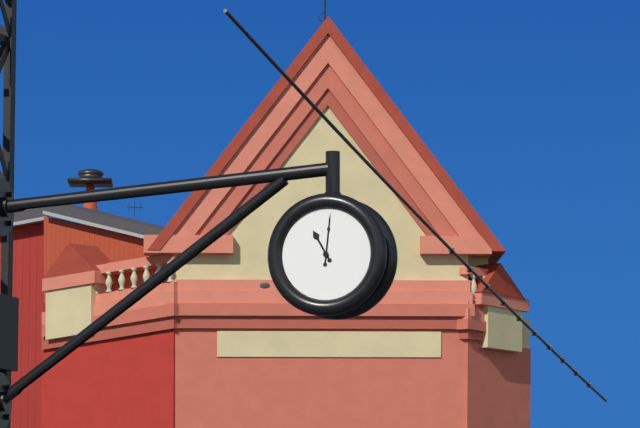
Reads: 11:01
